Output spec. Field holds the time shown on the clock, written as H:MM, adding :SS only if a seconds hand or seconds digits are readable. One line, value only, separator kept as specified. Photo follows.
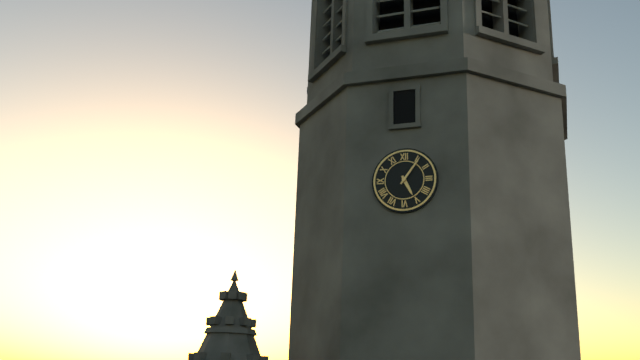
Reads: 5:06
